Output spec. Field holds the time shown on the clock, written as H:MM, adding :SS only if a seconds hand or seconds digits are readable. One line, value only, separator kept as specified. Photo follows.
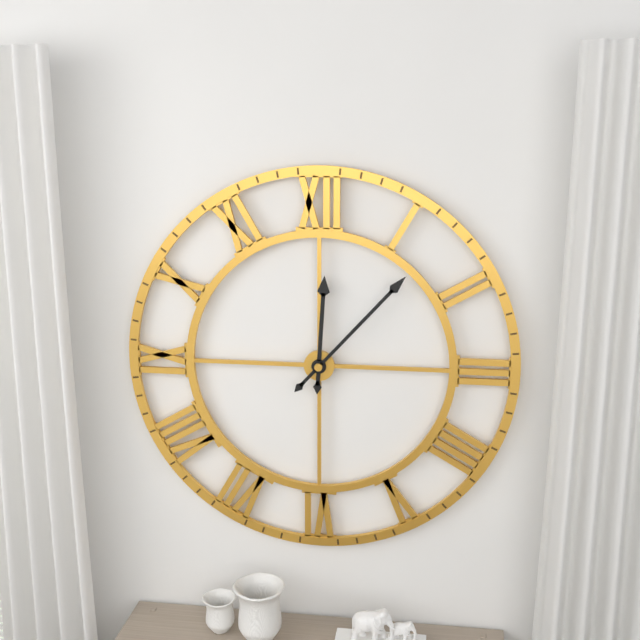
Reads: 12:07
